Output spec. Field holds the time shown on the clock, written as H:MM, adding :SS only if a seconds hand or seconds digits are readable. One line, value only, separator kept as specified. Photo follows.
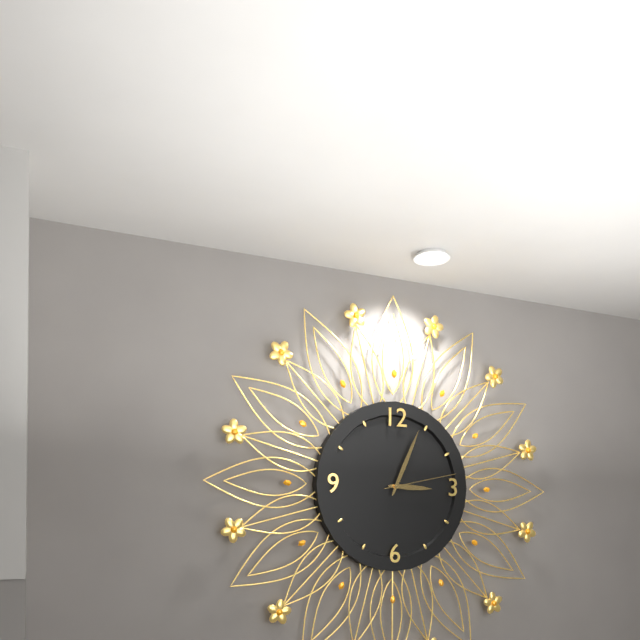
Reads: 3:04:13
